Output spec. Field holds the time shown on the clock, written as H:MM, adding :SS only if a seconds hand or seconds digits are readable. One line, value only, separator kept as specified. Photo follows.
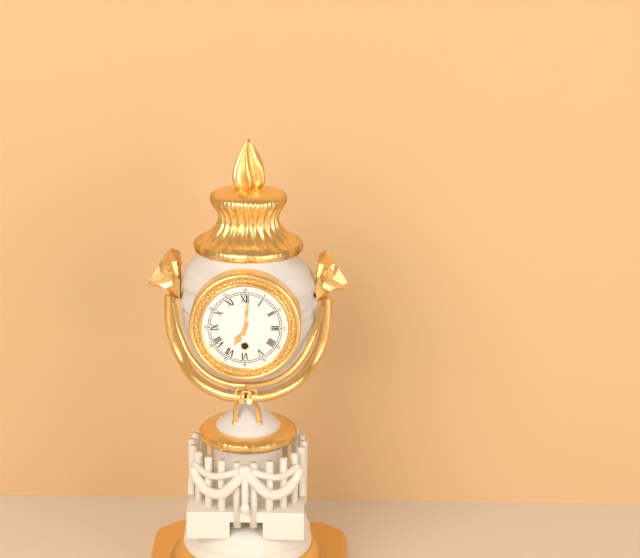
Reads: 7:01
